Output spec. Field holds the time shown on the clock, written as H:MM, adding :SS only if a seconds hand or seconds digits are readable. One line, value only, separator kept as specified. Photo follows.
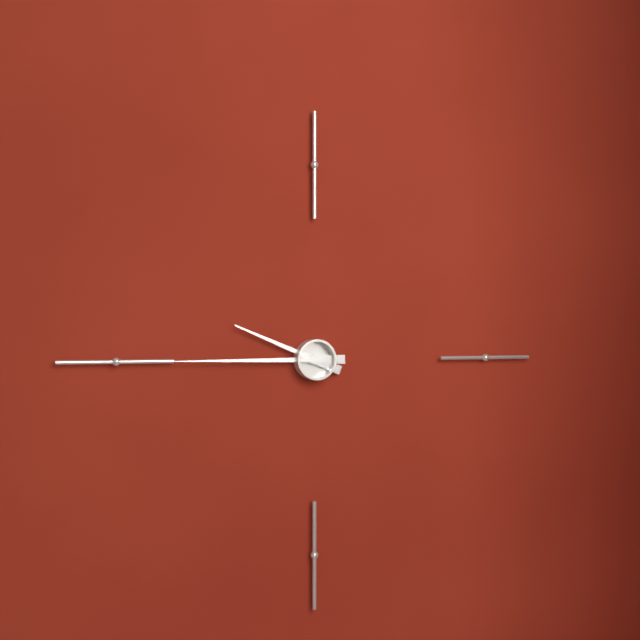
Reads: 9:45
